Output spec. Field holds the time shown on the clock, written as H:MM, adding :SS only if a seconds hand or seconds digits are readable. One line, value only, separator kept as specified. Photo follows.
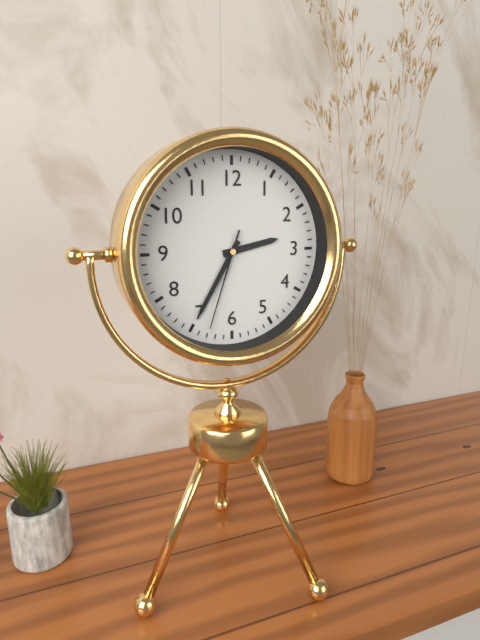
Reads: 2:35:33
